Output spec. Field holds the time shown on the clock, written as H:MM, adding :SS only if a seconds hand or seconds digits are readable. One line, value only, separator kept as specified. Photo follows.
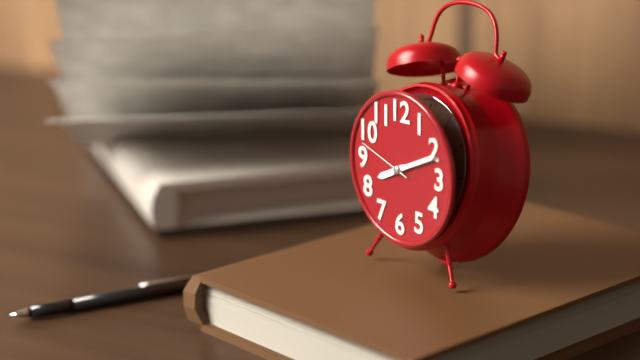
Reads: 8:11:48
